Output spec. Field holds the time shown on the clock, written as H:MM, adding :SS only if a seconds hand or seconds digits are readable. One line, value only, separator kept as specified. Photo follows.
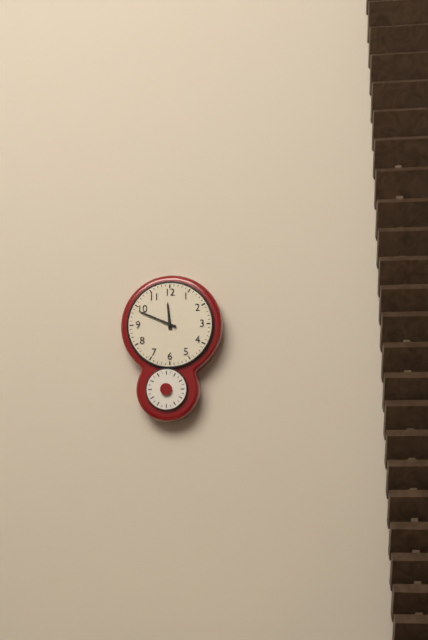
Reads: 11:49
